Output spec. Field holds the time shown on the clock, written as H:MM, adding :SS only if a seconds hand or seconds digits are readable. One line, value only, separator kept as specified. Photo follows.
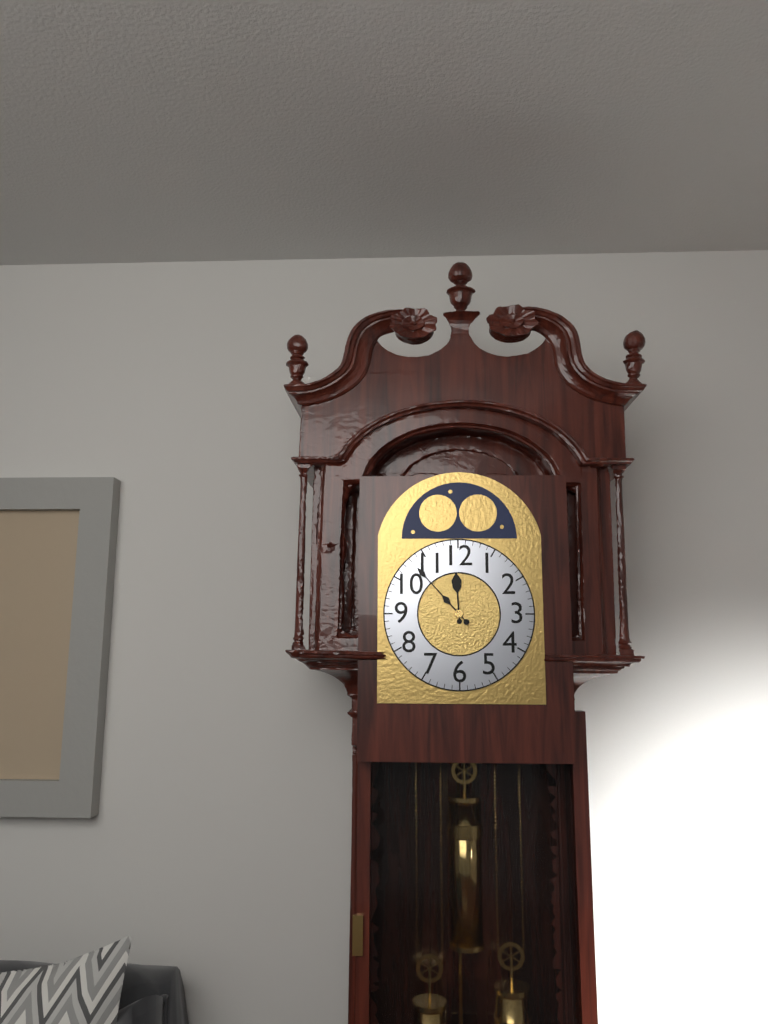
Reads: 11:53
